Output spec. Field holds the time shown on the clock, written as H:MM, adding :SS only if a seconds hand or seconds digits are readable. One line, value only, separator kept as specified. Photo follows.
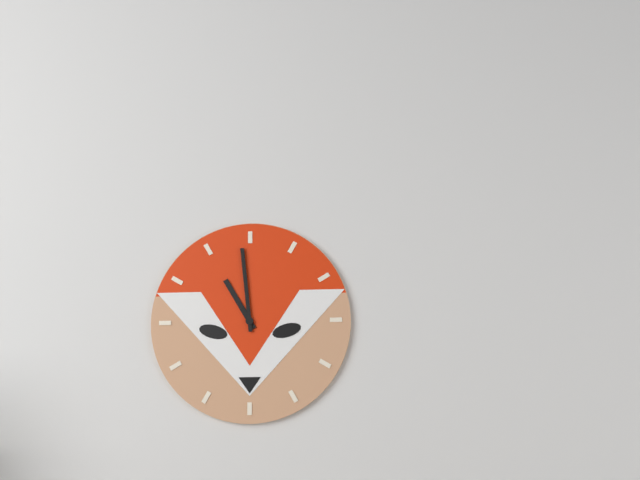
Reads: 10:59
